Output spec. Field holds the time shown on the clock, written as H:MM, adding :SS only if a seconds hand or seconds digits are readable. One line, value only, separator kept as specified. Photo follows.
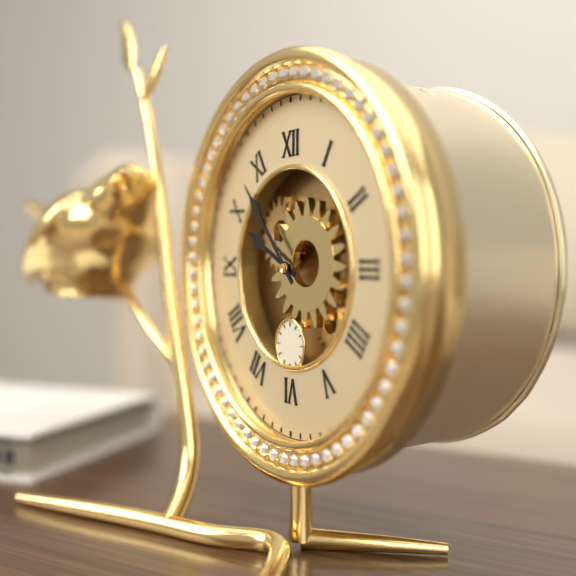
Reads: 9:53
